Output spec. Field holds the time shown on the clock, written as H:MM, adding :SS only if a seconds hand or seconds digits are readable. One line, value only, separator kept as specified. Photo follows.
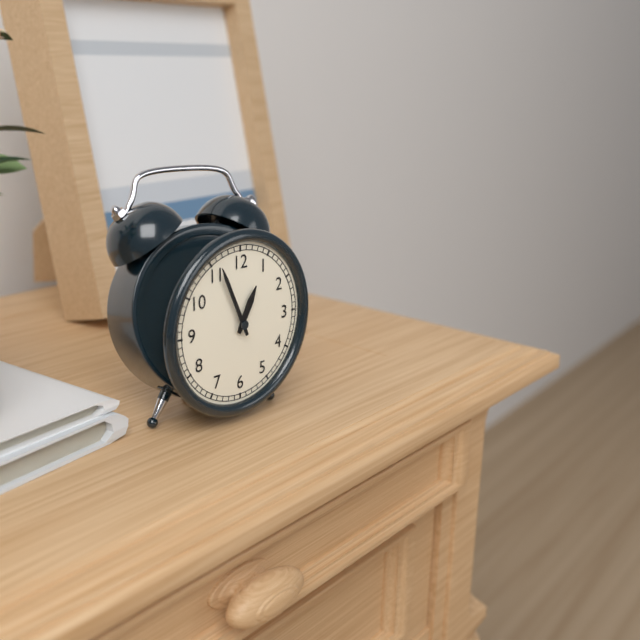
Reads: 12:56
